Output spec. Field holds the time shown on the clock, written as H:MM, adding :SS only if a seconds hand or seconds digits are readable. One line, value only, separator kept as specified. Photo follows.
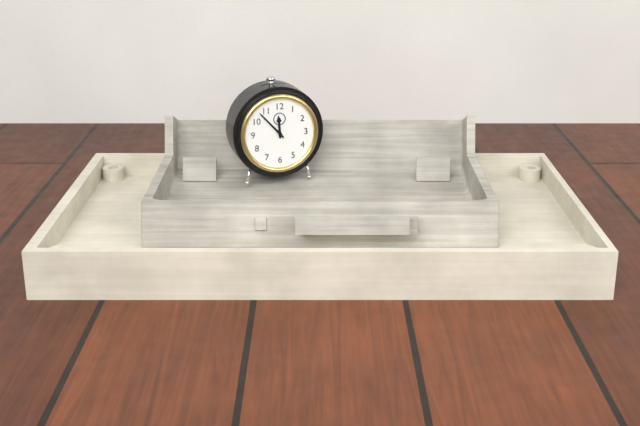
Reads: 11:53
